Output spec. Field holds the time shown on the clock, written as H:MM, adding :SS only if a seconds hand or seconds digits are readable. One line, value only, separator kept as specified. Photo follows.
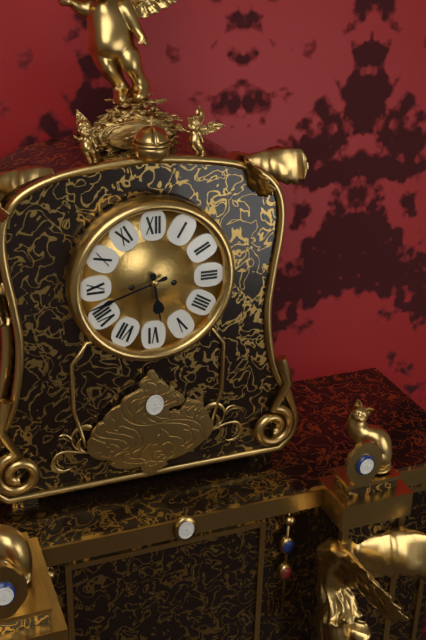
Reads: 5:42
